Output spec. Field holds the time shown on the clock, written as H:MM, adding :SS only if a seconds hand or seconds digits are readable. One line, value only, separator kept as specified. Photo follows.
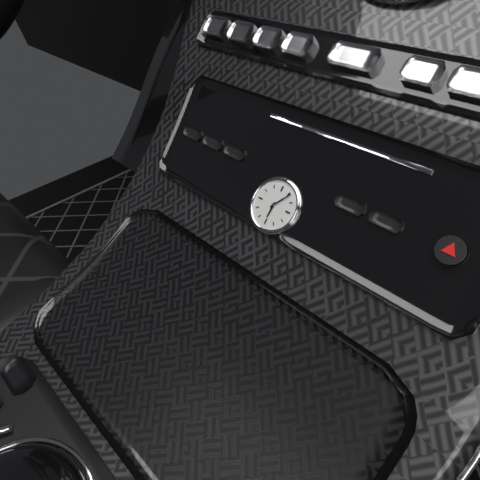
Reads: 6:06
